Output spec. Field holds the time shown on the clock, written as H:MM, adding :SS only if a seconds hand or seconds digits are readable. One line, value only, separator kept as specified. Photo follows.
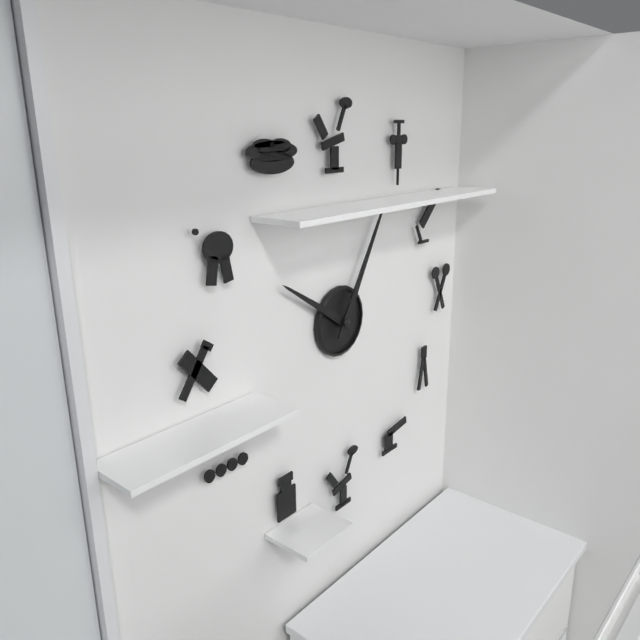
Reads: 10:05
